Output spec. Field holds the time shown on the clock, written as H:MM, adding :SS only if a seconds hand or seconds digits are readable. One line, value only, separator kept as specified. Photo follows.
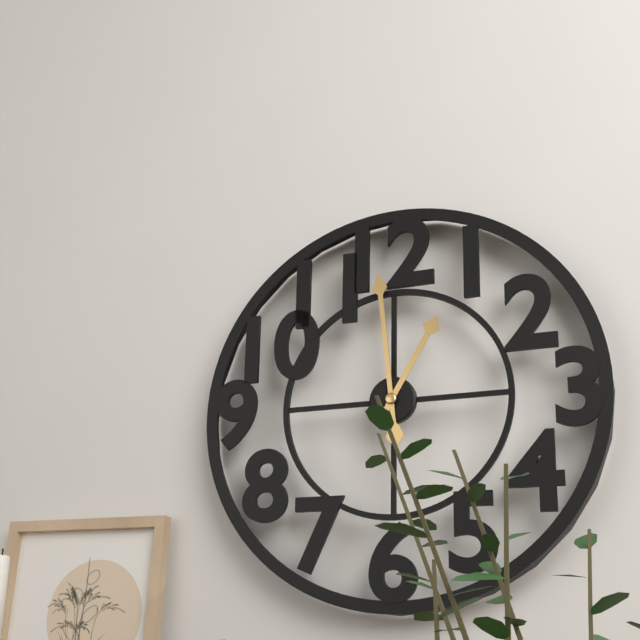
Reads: 12:59
